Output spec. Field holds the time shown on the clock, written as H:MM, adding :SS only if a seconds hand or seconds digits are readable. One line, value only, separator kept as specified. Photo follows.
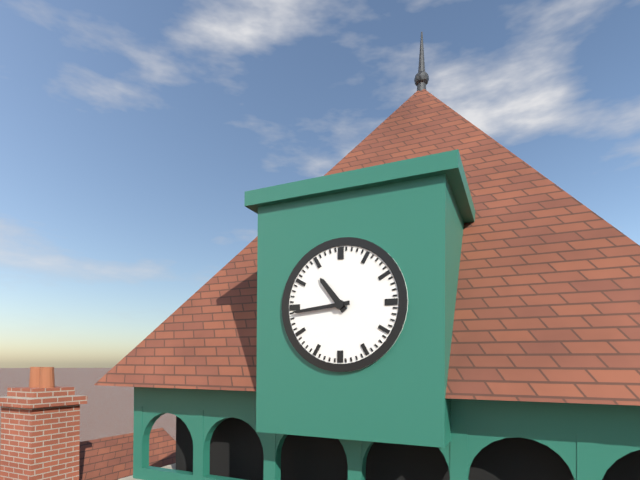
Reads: 10:44
